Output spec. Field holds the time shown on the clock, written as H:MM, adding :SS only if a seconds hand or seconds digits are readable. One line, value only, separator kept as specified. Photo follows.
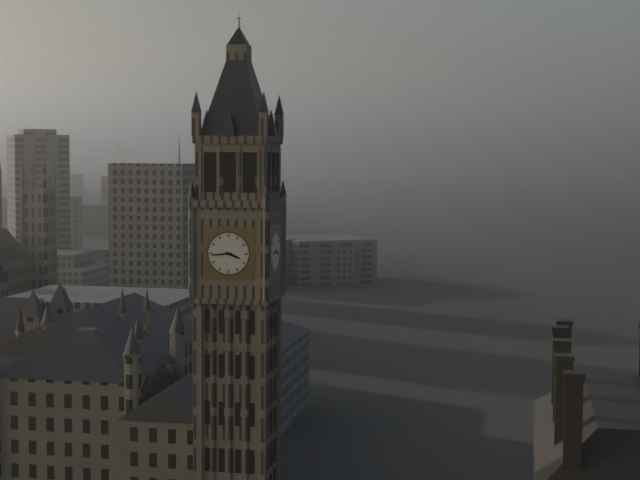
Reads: 3:44
